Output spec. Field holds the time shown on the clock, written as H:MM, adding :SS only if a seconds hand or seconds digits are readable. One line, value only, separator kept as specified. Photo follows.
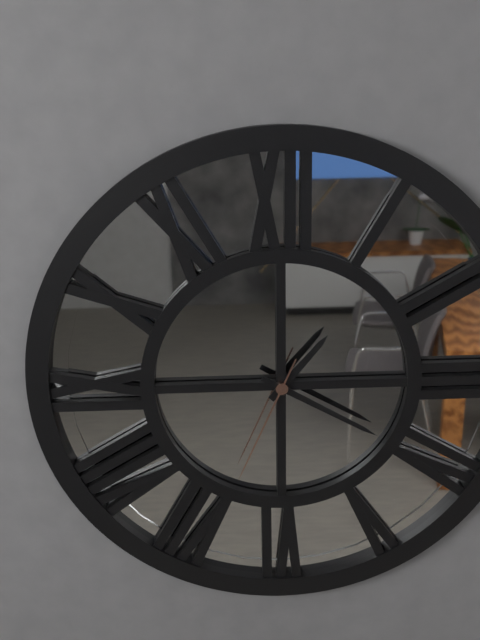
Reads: 1:20:34
